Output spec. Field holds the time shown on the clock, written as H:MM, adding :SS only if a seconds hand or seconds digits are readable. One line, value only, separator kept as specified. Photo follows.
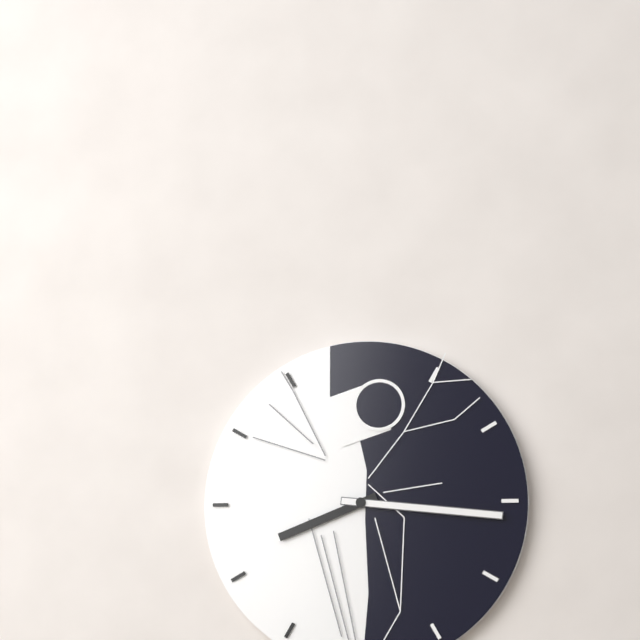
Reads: 8:16
